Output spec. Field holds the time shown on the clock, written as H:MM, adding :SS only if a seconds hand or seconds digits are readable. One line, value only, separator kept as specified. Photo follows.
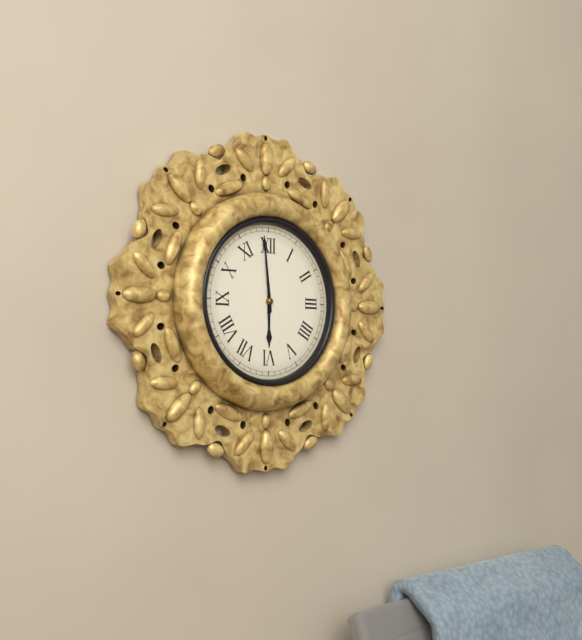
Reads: 5:59
